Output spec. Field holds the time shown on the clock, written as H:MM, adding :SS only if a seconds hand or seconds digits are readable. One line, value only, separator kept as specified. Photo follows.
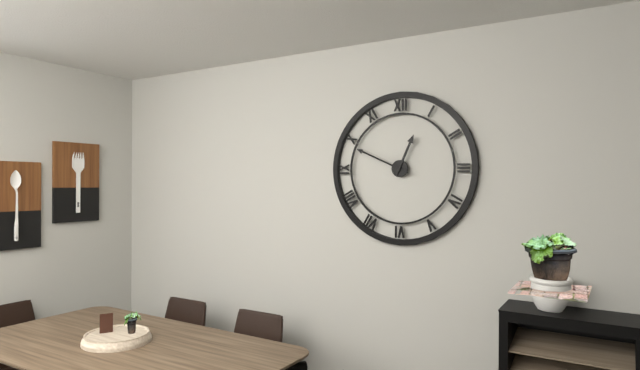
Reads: 12:49
